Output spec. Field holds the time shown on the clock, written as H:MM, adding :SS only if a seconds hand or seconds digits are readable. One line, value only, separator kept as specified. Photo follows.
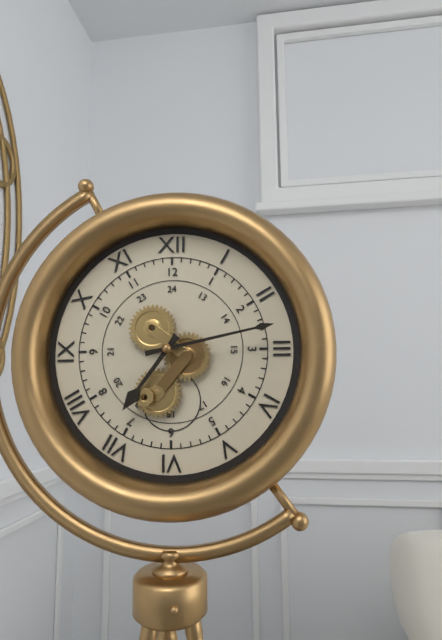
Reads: 7:13
